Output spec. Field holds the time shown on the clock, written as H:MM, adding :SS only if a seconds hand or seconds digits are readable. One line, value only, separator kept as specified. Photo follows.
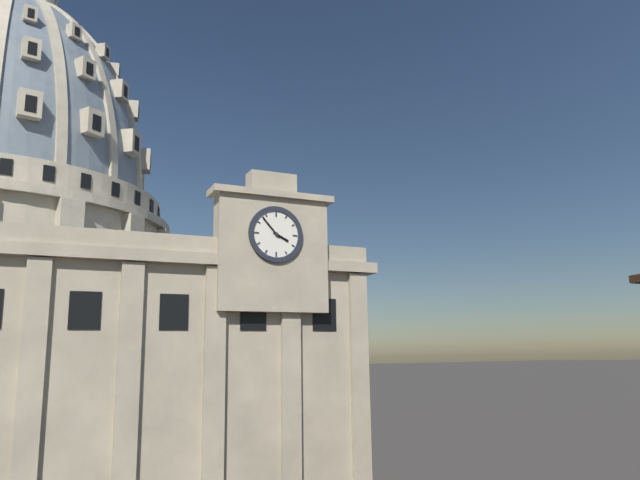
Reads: 3:53
